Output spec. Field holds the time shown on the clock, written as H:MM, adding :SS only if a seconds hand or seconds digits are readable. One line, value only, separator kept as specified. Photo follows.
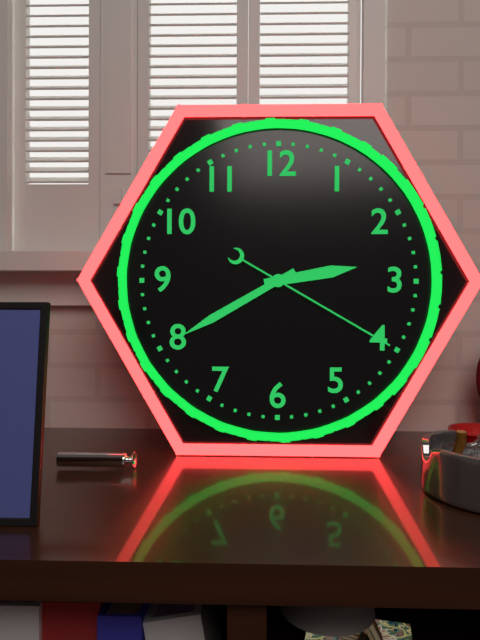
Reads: 2:40:20
